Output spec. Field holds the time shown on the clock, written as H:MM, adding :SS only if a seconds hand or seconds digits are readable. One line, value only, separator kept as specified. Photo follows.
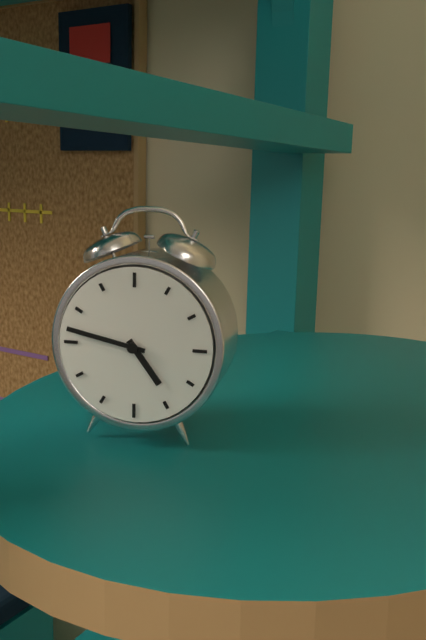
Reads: 4:47
